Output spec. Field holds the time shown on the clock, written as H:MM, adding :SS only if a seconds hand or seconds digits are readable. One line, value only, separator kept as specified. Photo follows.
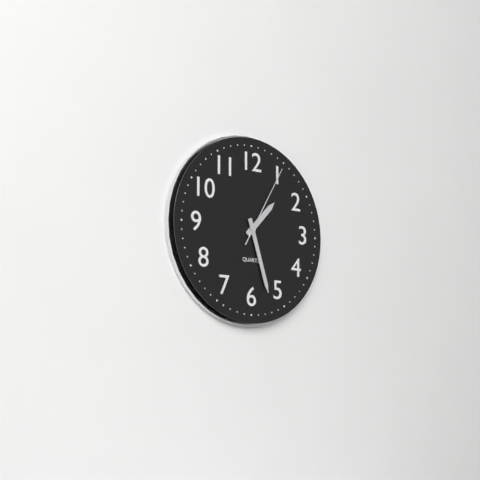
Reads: 1:27:05
